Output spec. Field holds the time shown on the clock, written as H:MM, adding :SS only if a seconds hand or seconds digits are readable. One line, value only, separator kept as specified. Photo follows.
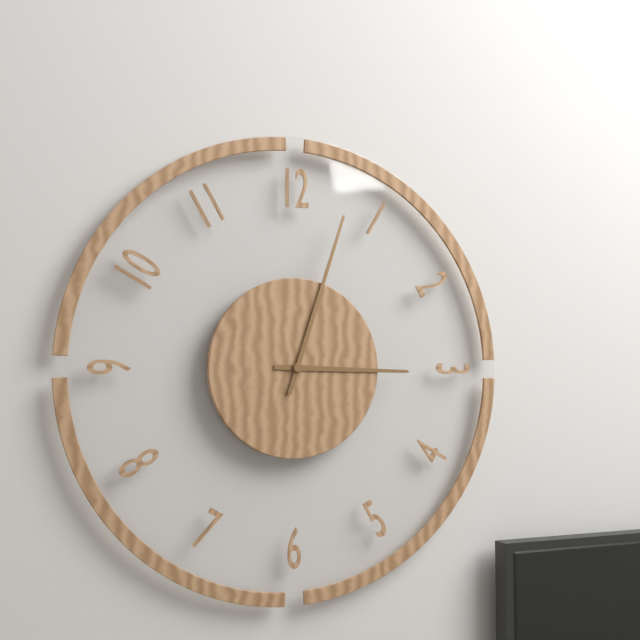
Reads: 3:03
